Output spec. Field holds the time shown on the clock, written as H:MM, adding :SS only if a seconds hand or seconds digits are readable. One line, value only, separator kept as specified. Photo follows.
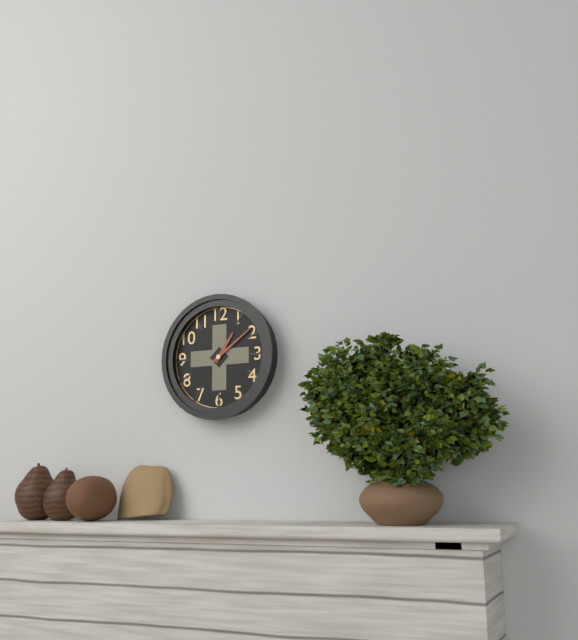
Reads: 1:09
